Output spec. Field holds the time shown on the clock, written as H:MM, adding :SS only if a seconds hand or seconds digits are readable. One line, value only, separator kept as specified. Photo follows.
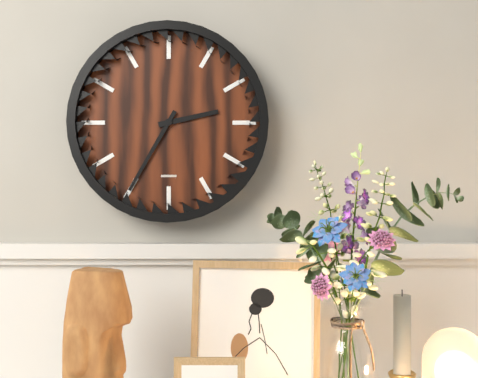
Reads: 2:35
